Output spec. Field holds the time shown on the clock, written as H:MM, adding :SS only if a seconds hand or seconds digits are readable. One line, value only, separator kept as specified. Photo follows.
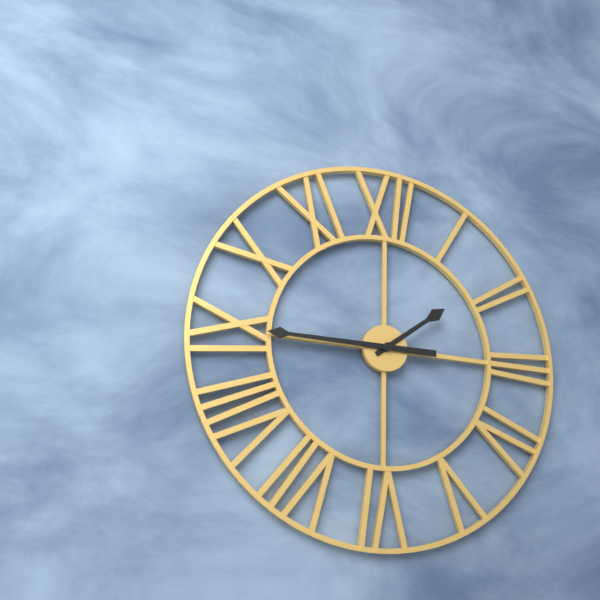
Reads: 1:45
